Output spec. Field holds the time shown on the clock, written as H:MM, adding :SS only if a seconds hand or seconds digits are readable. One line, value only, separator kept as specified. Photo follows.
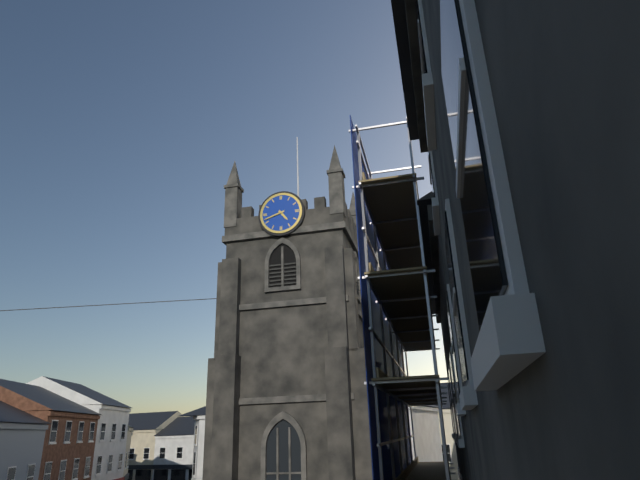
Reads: 4:42
